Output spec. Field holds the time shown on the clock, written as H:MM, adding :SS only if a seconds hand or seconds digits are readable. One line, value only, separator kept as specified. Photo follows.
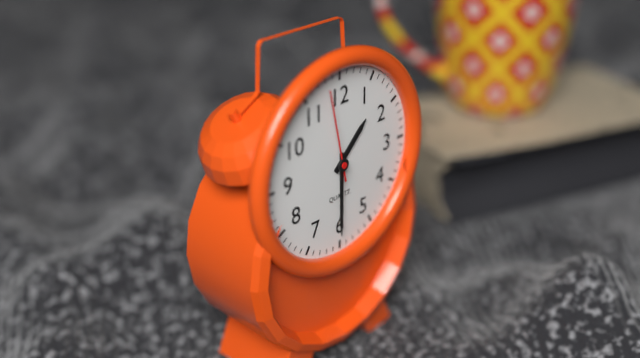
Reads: 1:30:58
